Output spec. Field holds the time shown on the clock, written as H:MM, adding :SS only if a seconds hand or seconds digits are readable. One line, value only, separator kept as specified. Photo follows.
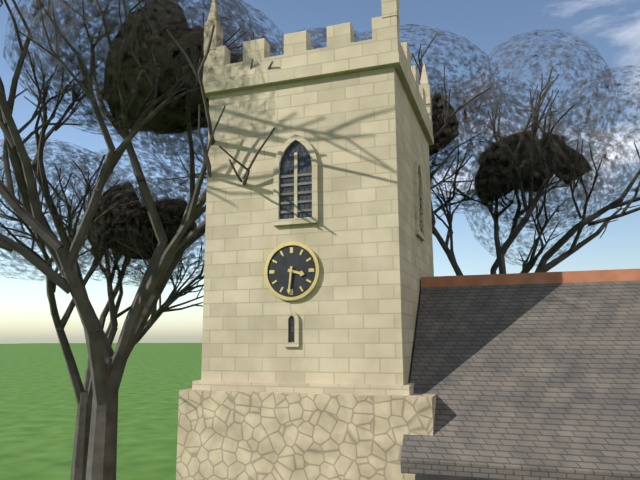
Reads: 3:31
